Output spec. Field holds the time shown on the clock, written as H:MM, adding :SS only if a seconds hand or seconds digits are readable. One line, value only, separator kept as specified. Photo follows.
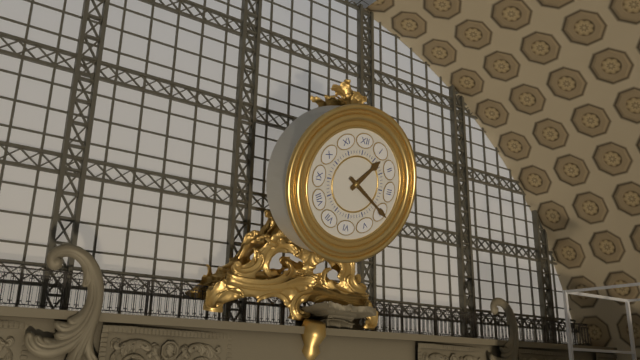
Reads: 1:20
